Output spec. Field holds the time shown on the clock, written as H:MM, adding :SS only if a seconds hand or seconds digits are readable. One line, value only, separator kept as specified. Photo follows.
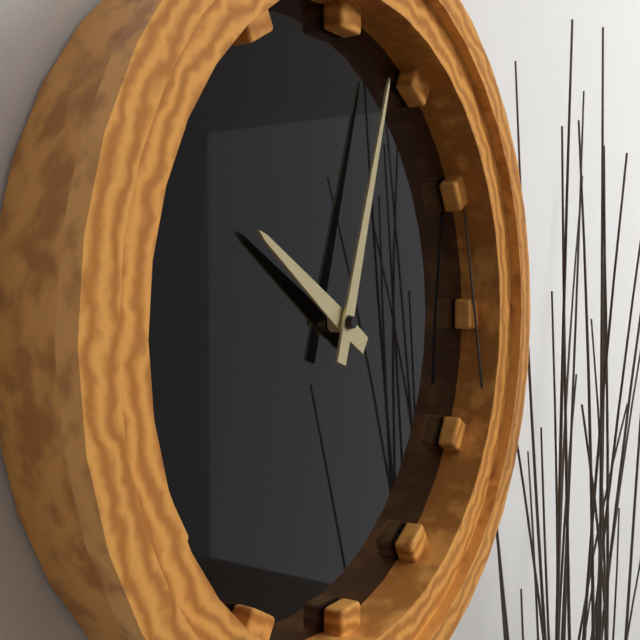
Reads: 10:03
